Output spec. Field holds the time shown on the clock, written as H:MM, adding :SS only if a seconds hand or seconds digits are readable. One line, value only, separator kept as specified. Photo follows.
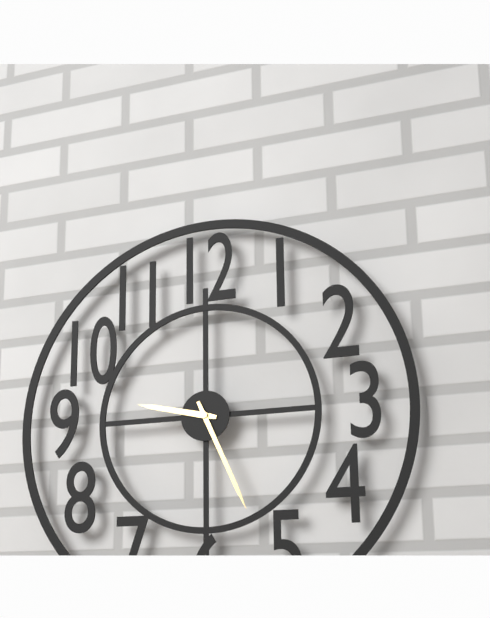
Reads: 9:26
